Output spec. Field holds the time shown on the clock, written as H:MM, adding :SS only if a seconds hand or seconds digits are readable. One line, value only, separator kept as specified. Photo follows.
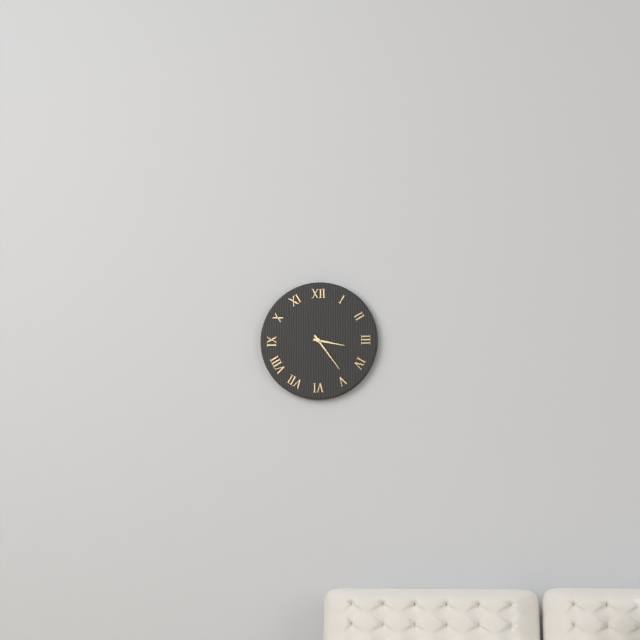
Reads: 3:24
